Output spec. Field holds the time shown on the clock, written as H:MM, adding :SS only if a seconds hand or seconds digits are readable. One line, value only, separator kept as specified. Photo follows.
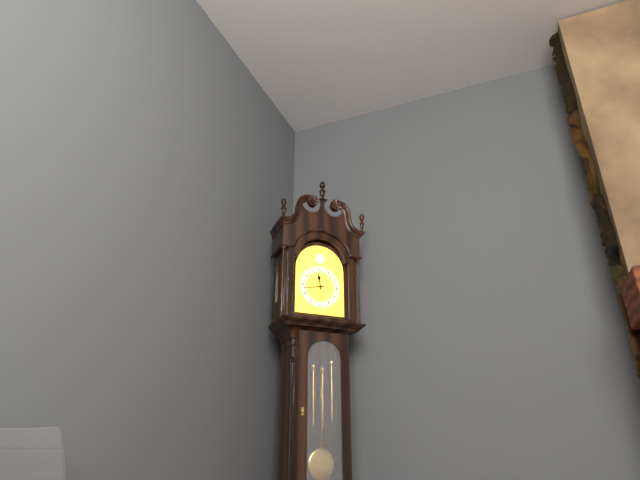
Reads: 11:43
